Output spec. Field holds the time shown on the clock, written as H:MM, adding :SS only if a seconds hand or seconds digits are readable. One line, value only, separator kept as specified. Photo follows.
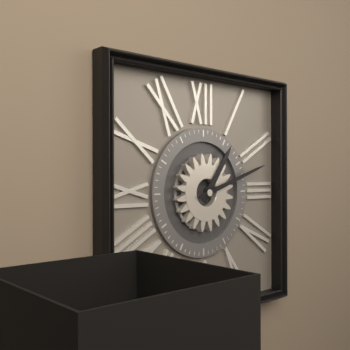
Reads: 1:12
